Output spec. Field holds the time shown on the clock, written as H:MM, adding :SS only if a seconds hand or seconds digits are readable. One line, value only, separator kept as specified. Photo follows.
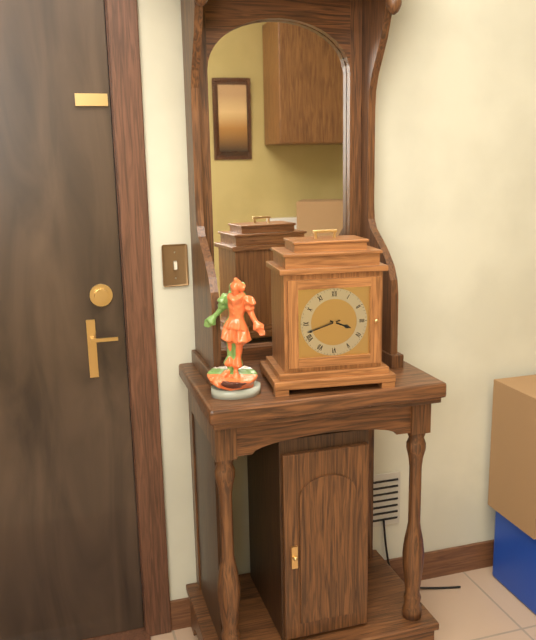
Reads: 3:42
